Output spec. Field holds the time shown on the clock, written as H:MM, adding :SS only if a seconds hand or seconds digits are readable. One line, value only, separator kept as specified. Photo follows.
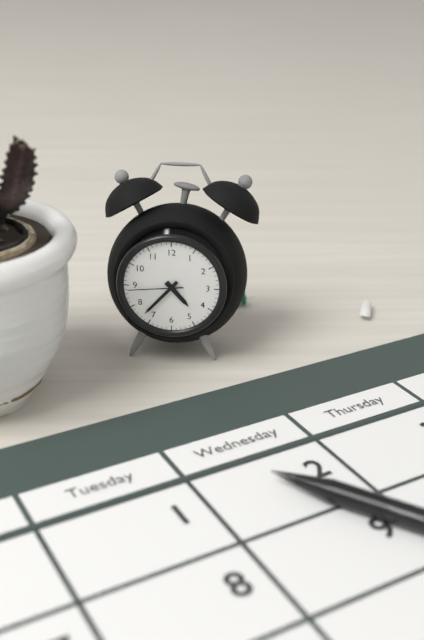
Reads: 4:37:44
